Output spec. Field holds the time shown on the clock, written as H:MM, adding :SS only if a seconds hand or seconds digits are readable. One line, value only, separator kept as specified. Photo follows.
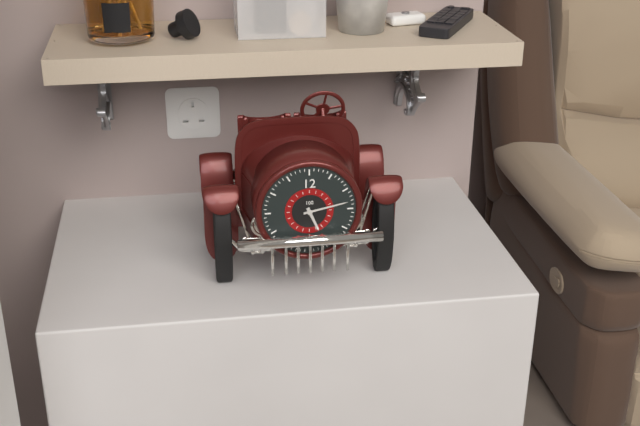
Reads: 5:13
